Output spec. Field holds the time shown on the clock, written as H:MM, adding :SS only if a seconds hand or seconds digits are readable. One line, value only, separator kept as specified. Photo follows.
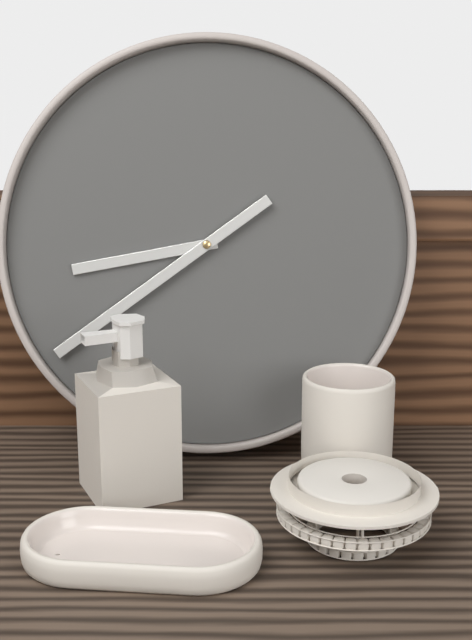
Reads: 8:39
